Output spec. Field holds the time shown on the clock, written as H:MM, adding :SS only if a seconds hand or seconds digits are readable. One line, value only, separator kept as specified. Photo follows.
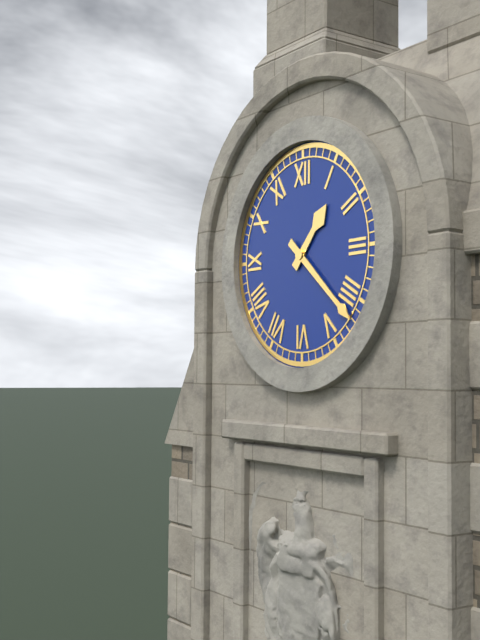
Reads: 1:22
